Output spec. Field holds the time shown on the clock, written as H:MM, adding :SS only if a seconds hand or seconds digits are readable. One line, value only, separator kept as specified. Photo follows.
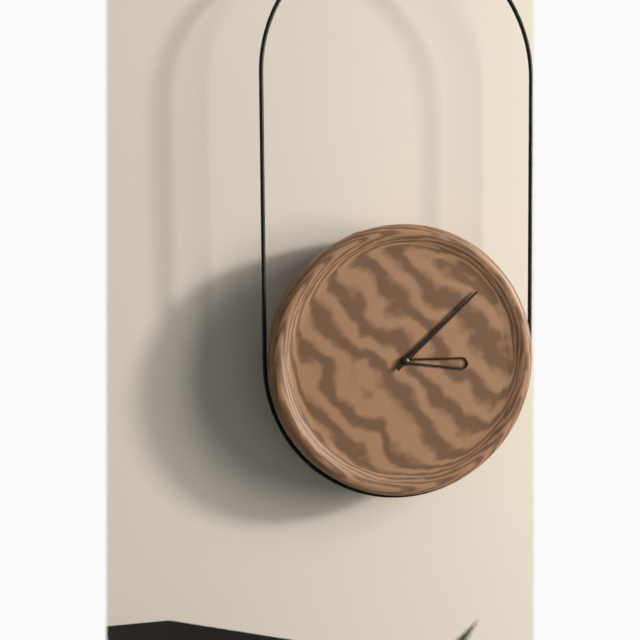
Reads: 3:08
